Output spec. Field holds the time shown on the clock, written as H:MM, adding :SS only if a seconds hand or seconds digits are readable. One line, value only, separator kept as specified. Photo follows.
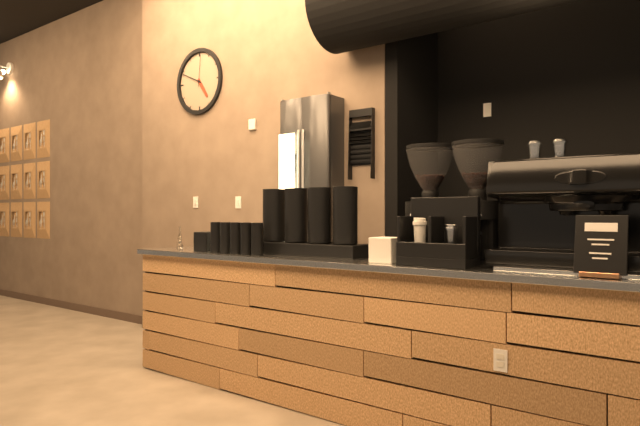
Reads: 4:49
